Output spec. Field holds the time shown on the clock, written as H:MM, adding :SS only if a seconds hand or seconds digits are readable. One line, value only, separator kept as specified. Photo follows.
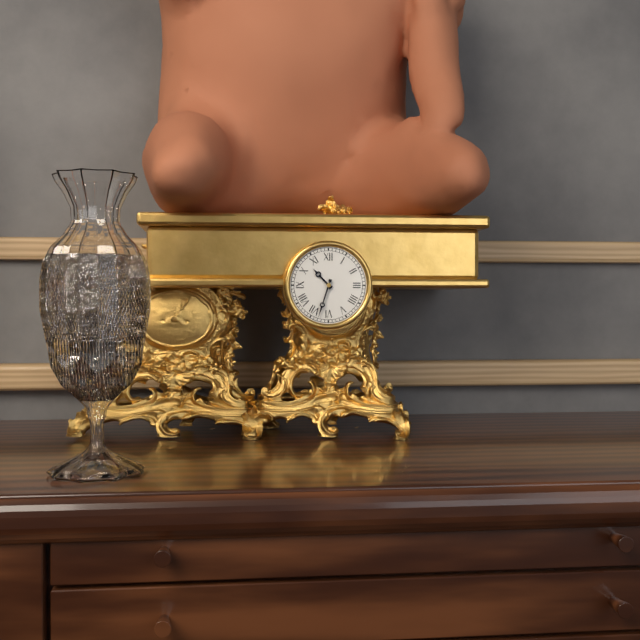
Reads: 10:33
